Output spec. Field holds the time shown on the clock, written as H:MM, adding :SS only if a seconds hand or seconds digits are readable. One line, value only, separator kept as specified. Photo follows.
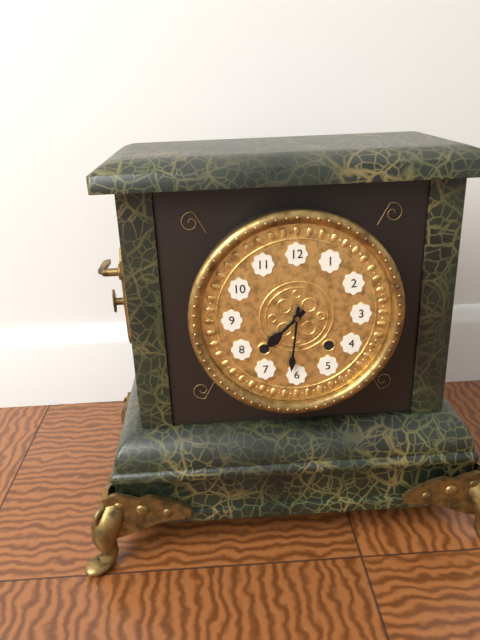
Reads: 7:31
